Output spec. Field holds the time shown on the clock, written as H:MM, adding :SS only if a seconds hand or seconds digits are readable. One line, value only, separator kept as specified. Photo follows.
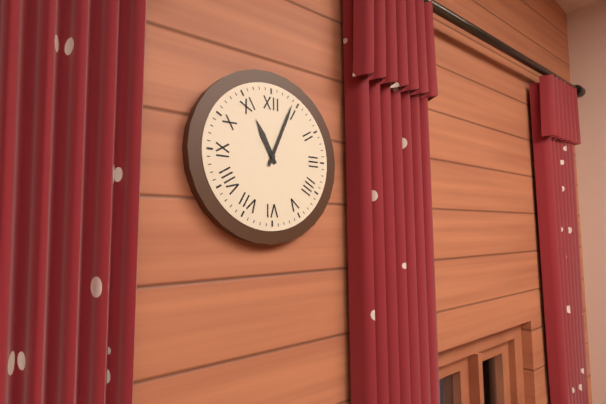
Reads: 11:04
